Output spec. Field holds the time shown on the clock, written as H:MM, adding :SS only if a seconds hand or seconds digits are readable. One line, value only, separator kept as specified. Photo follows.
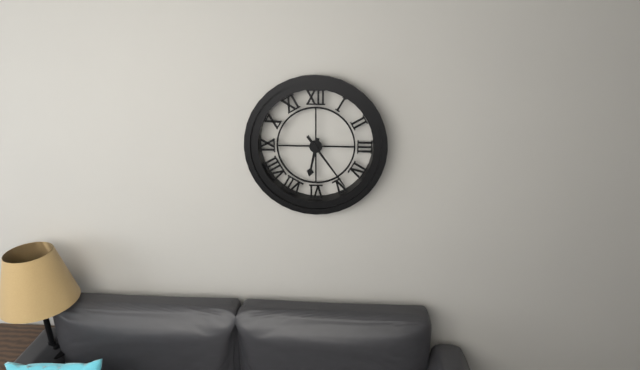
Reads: 6:24
